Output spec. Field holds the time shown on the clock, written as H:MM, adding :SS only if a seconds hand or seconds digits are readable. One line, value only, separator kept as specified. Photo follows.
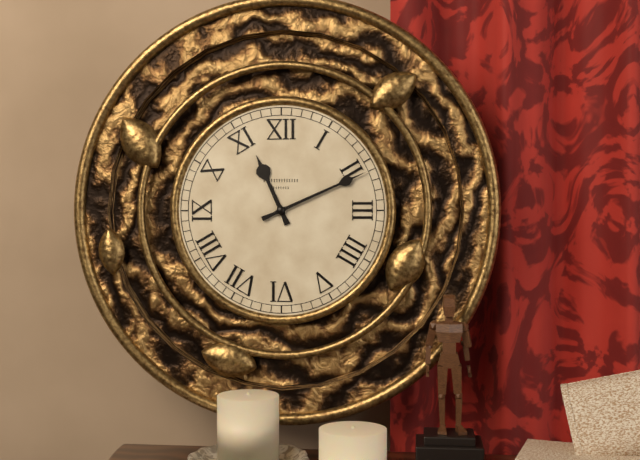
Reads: 11:11
